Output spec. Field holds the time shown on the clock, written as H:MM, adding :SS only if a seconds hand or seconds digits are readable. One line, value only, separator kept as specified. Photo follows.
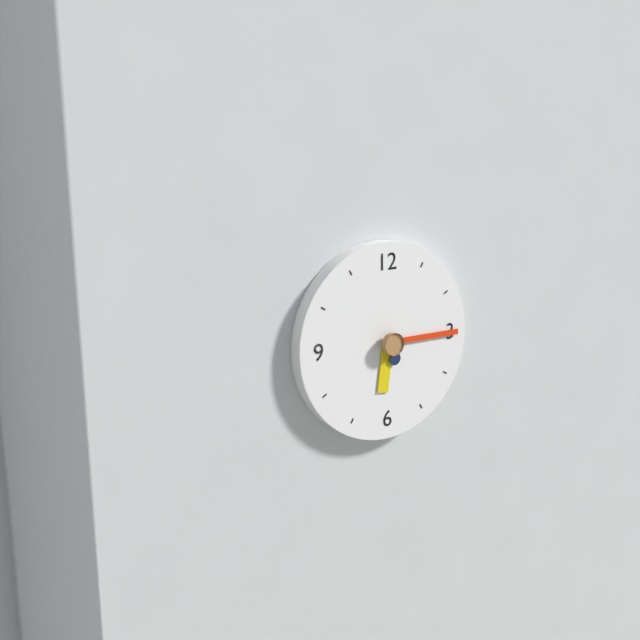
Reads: 6:15
